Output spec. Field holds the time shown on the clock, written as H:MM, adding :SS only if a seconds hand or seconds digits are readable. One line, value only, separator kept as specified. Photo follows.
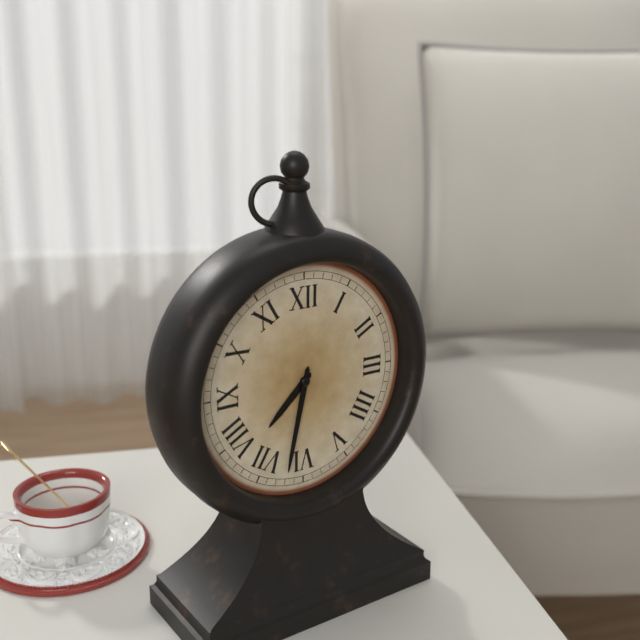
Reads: 7:32
